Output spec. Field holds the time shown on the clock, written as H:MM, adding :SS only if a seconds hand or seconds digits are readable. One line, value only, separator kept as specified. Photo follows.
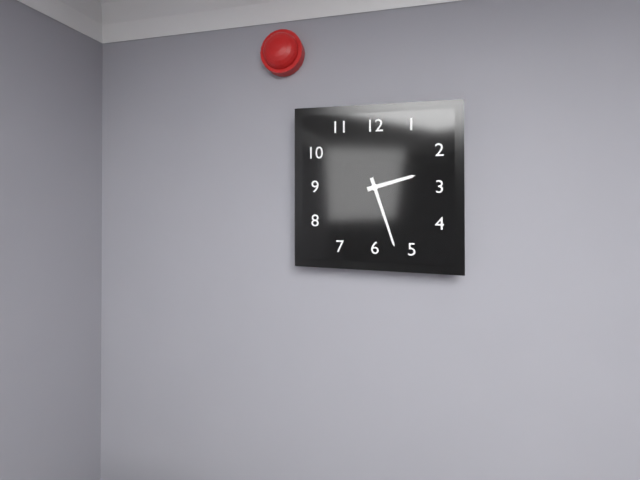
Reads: 2:27
